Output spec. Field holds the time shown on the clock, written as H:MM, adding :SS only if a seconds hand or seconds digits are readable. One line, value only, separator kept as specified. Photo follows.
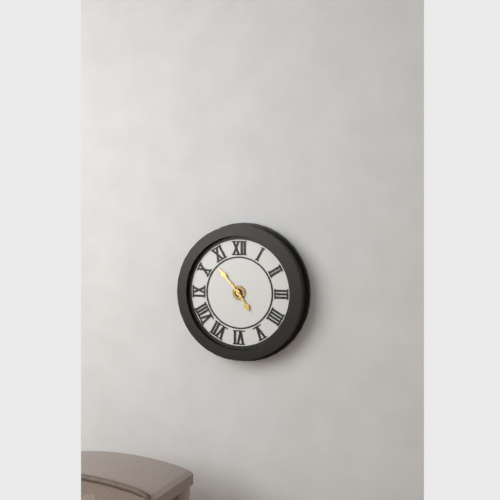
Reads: 4:53
